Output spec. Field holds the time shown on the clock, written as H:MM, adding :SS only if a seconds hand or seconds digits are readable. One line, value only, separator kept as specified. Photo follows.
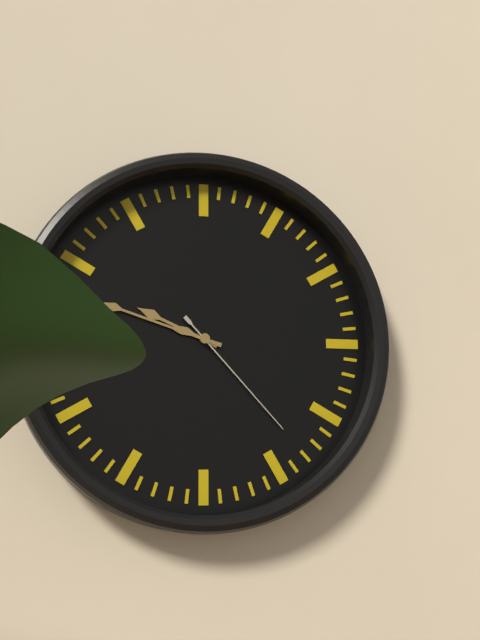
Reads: 9:48:23
